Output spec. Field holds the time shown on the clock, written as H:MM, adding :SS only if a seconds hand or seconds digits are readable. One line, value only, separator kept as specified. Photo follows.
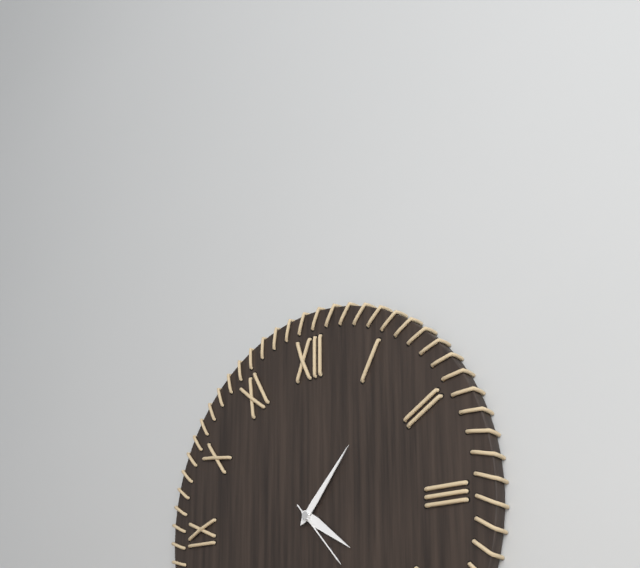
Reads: 4:07:23
